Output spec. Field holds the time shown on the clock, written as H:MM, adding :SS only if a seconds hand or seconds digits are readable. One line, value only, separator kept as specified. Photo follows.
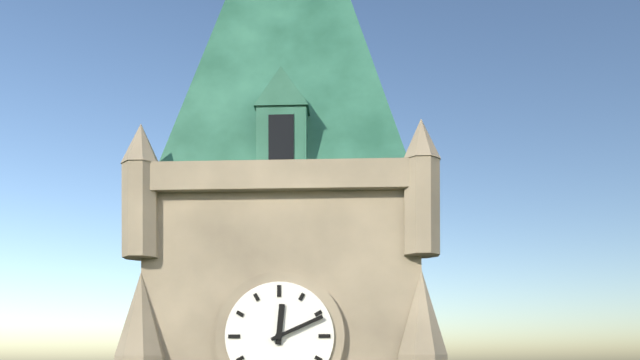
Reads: 12:11
